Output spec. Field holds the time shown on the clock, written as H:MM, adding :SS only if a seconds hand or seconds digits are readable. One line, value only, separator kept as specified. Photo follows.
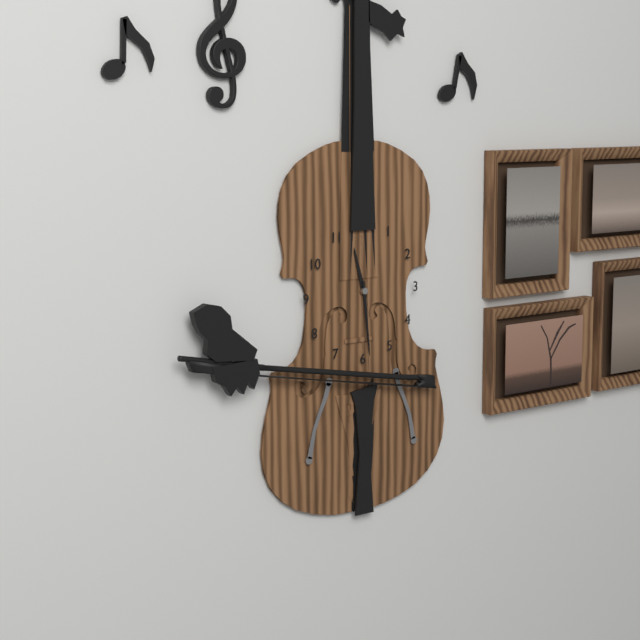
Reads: 11:29
